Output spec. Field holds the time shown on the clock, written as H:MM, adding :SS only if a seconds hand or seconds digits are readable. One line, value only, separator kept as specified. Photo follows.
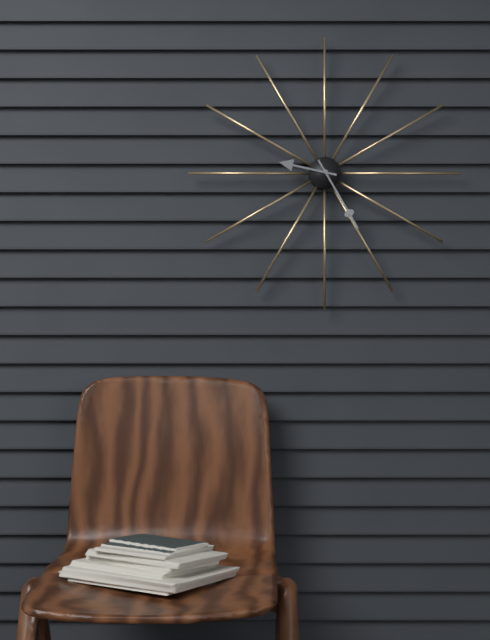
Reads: 9:25
